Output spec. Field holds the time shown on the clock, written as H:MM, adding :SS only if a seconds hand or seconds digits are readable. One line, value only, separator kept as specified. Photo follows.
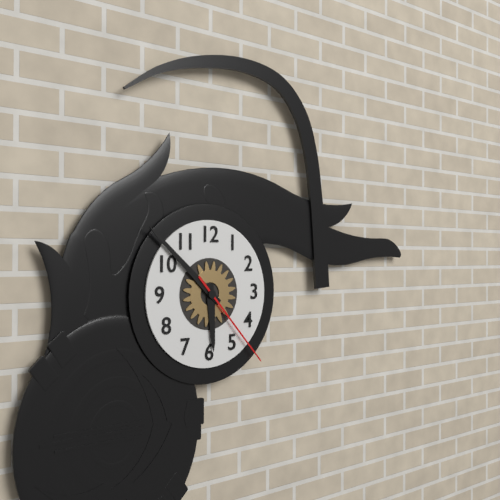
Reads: 5:52:23
